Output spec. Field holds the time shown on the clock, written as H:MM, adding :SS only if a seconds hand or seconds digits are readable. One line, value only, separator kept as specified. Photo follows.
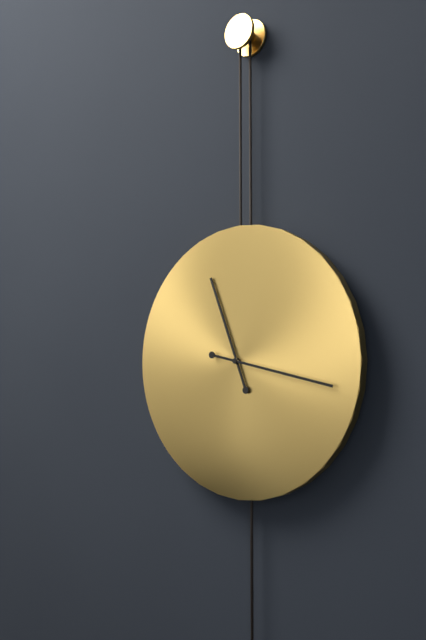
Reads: 11:17
